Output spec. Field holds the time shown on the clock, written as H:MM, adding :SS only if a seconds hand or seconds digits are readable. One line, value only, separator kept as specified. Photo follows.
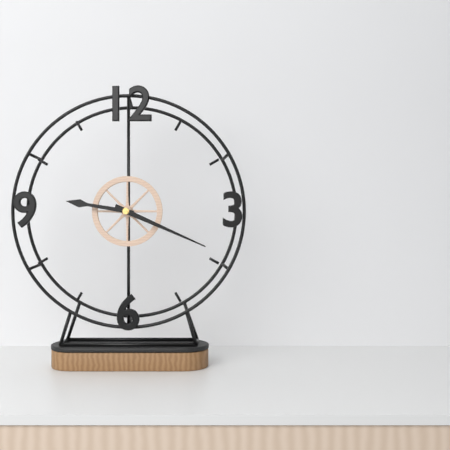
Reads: 9:19
